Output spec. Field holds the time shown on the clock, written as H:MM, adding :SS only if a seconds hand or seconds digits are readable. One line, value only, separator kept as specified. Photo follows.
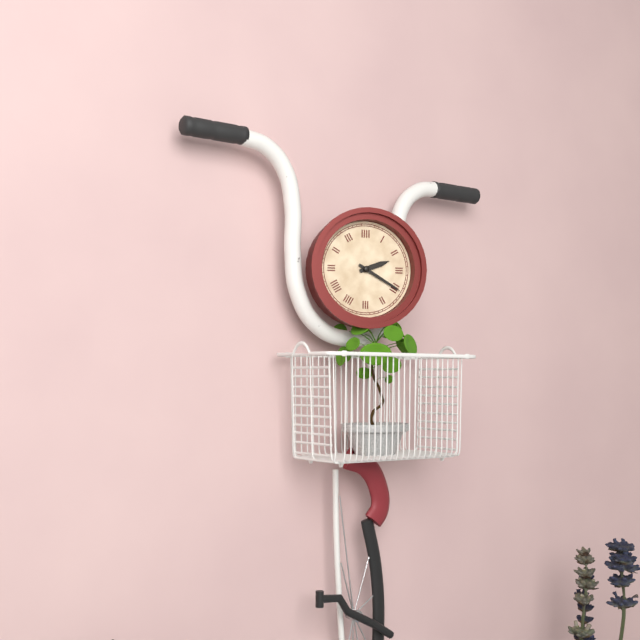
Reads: 2:20
